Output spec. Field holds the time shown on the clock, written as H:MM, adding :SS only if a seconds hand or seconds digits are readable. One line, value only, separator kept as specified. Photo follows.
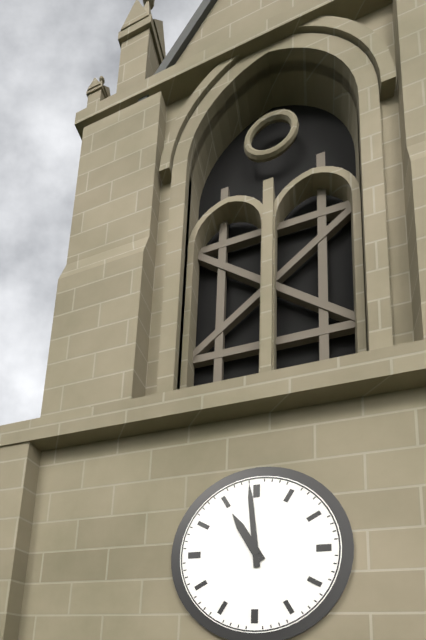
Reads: 10:59
